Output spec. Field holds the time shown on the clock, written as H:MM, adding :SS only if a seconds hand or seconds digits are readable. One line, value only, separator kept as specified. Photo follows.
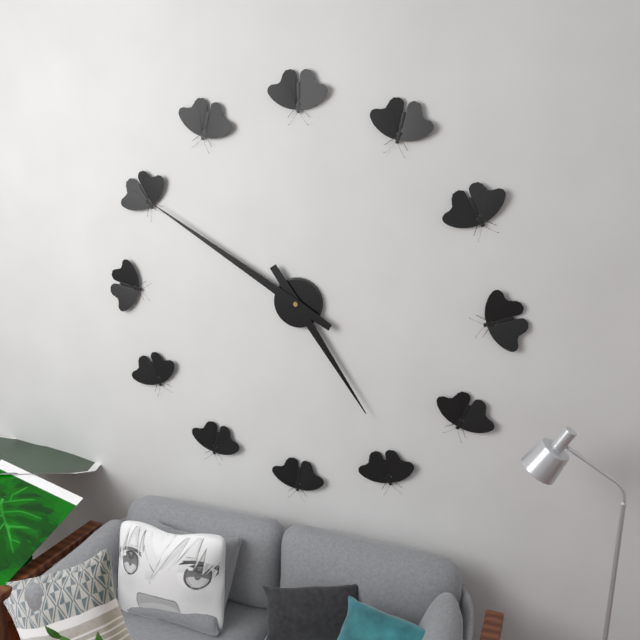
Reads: 4:50
